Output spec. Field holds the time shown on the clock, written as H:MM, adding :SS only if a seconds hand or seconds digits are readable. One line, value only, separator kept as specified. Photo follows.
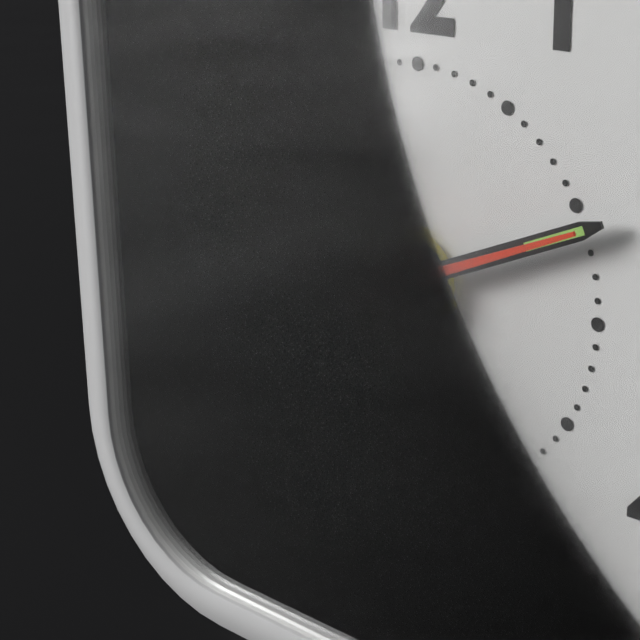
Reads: 6:11:11
